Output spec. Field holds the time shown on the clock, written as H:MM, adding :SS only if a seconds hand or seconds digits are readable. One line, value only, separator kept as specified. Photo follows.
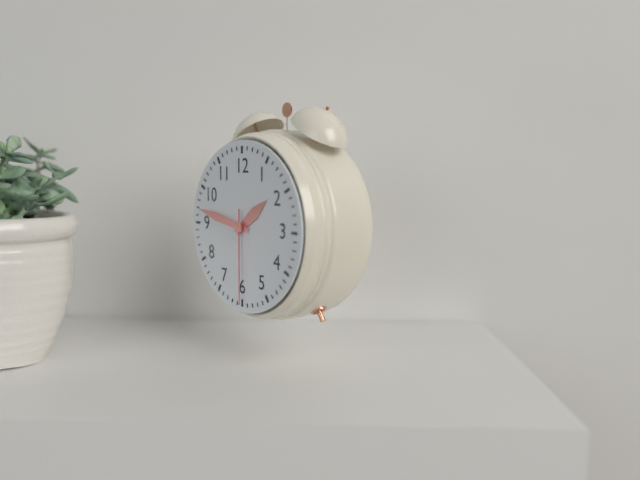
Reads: 1:47:30
